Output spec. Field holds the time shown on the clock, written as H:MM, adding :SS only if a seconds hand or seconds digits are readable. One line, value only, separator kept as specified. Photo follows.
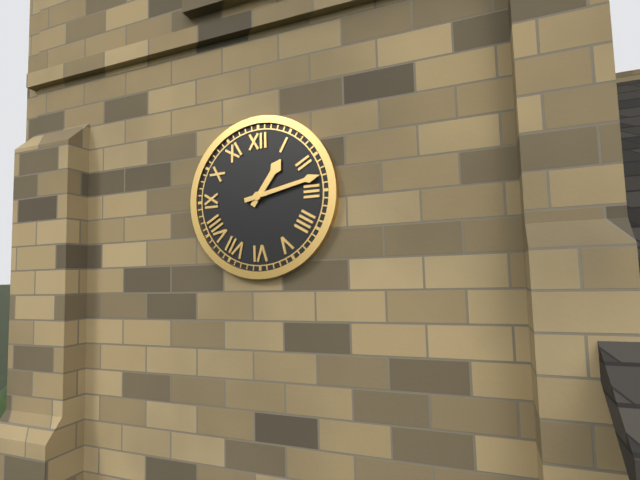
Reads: 1:13
